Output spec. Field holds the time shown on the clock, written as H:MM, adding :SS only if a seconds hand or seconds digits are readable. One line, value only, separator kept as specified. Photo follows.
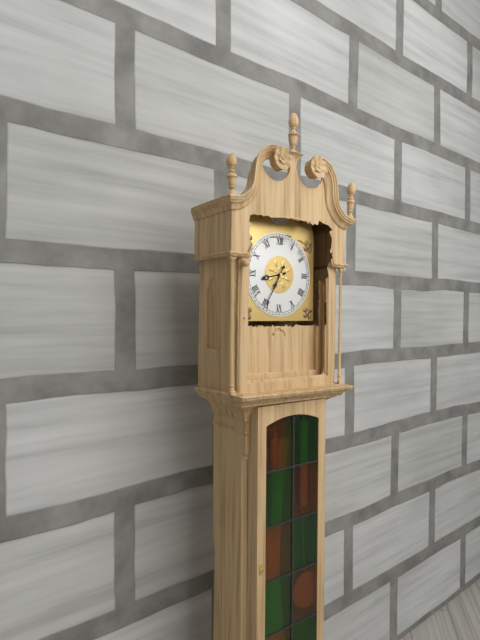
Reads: 8:35
